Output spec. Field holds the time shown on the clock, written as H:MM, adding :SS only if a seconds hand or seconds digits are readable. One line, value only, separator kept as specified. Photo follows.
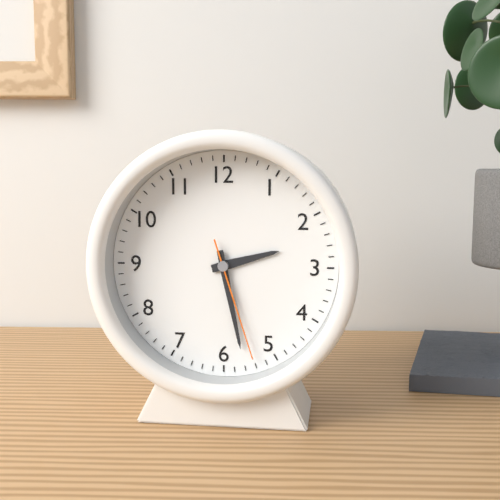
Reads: 2:28:27
